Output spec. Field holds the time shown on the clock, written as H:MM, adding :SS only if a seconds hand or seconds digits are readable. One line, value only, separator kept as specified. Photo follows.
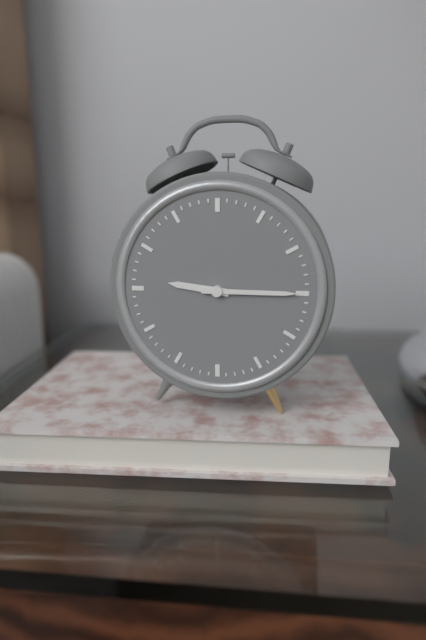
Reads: 9:15
